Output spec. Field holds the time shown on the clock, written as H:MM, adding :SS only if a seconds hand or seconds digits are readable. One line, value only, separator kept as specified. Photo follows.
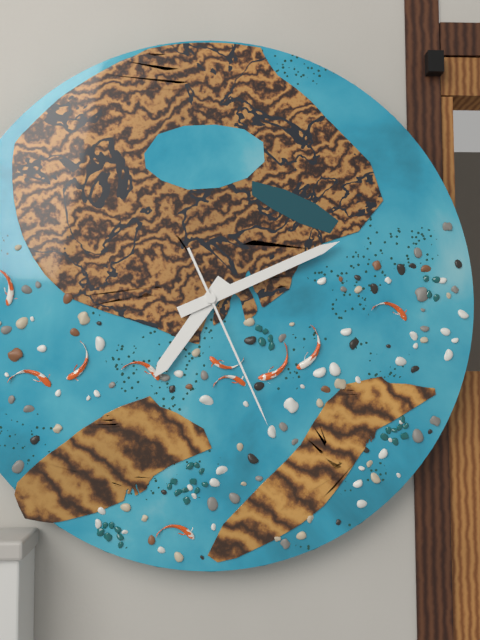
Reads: 7:11:26
